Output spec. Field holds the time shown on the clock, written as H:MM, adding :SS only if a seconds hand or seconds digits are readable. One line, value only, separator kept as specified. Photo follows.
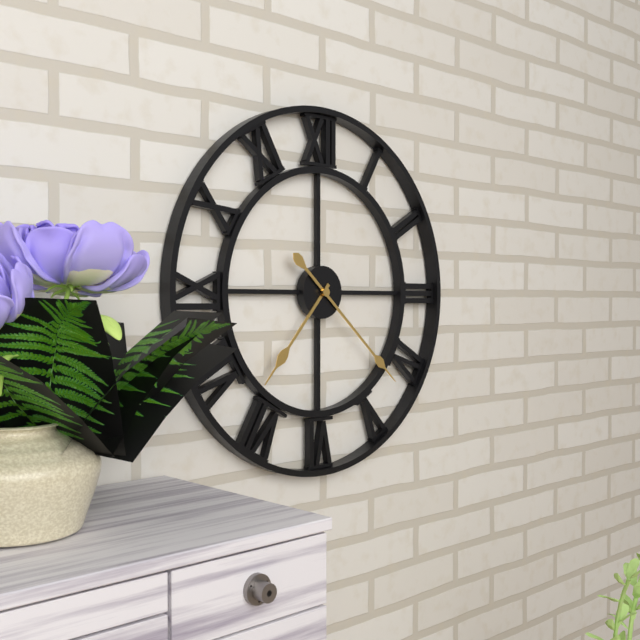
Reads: 7:22
